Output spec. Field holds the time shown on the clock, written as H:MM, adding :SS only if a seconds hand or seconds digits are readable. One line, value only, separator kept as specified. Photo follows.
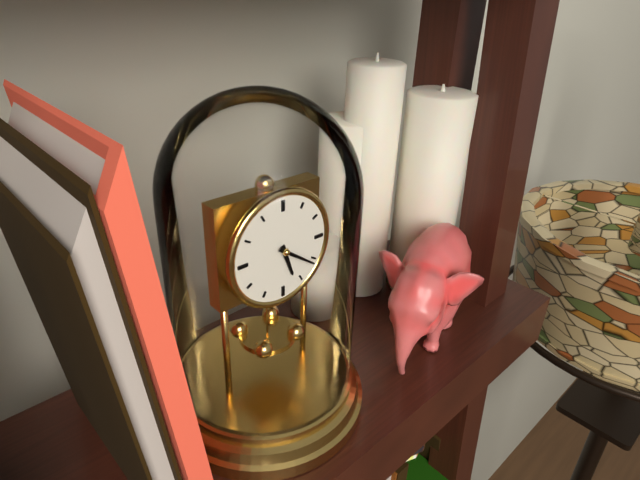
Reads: 5:21
